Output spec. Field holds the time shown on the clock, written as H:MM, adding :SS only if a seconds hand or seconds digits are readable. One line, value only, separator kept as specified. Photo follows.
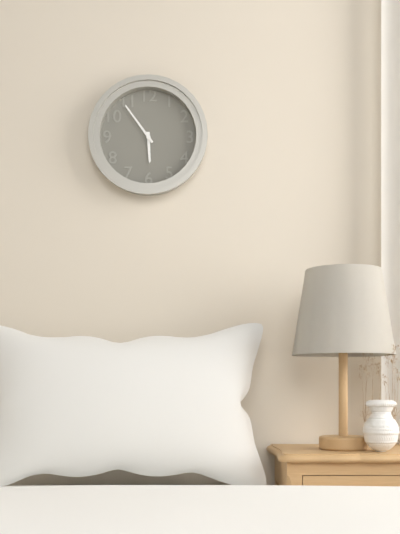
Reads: 5:54
